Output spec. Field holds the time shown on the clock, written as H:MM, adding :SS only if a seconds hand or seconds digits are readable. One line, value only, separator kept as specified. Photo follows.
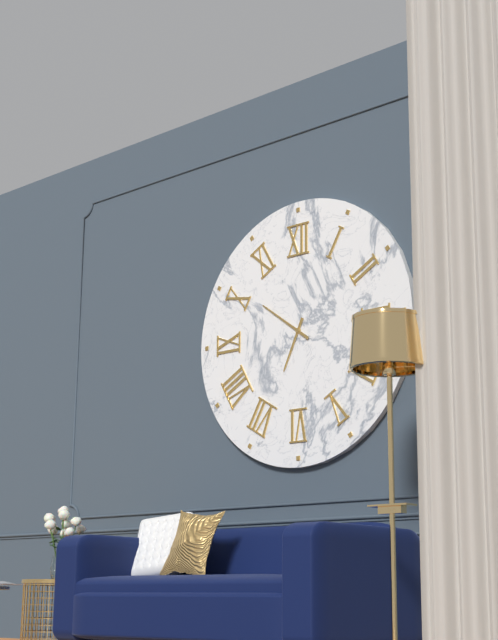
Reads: 6:51
